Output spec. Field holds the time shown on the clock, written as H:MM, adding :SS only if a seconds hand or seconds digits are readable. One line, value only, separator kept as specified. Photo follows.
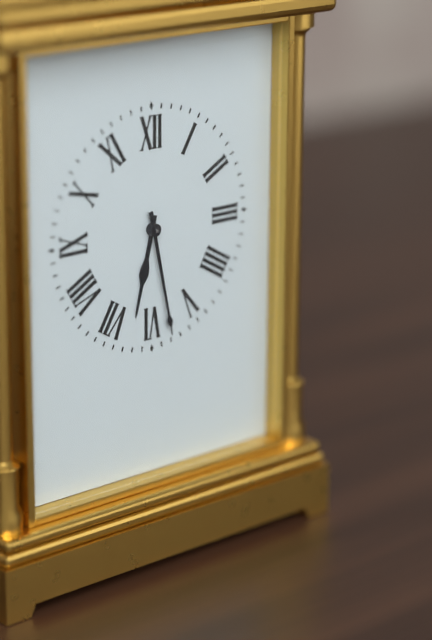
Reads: 6:28
